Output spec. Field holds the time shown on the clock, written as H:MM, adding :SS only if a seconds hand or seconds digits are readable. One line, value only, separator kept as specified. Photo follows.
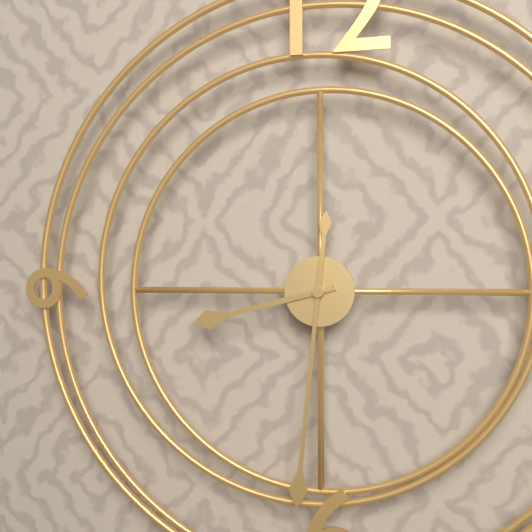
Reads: 8:31
